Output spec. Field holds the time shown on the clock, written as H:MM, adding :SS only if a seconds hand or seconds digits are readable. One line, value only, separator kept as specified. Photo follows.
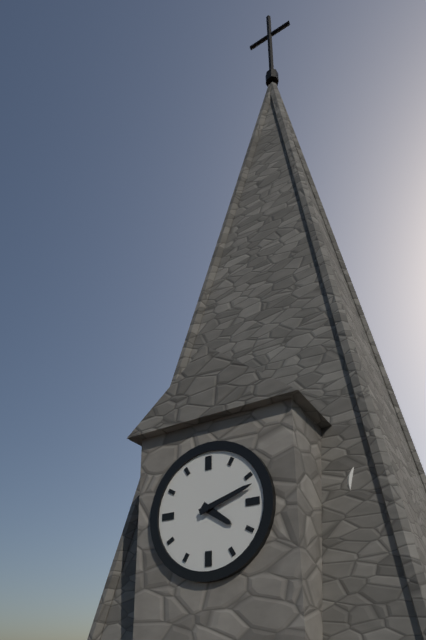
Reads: 4:12
